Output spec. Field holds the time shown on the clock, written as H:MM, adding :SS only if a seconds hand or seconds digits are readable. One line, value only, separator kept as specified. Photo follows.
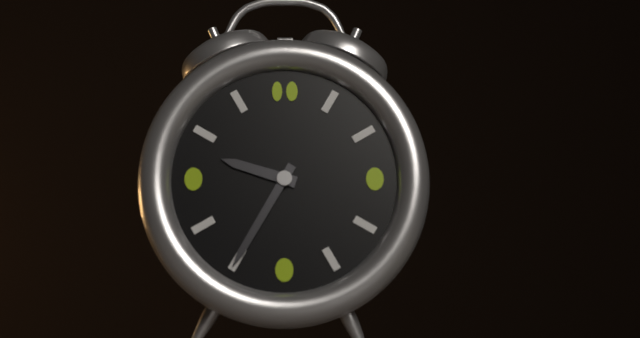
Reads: 9:35
